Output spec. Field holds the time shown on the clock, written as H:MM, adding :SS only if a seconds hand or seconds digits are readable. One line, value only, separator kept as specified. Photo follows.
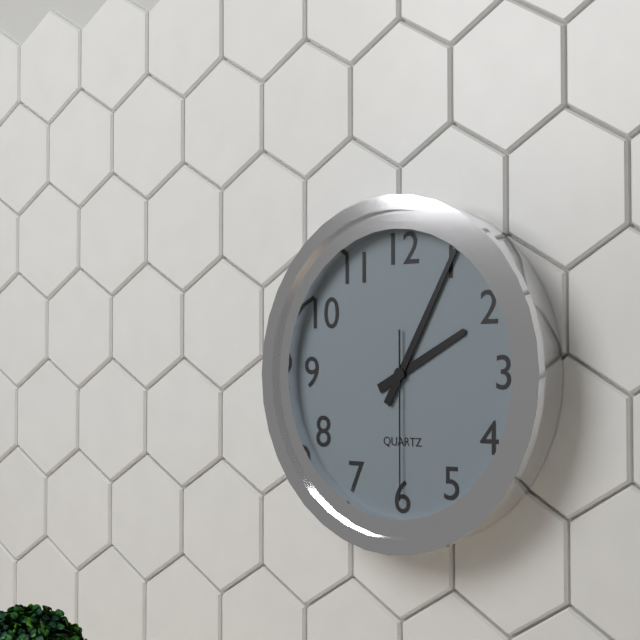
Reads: 2:05:30
